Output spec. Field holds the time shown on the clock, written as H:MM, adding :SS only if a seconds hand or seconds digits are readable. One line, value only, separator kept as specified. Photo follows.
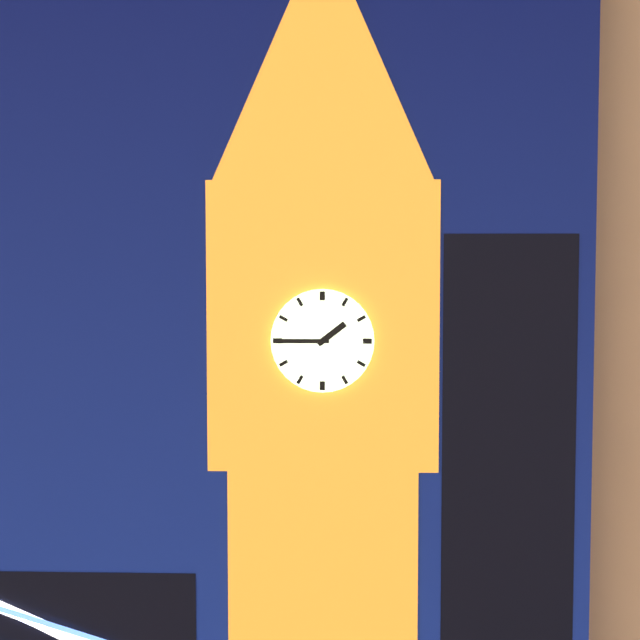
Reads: 1:45
